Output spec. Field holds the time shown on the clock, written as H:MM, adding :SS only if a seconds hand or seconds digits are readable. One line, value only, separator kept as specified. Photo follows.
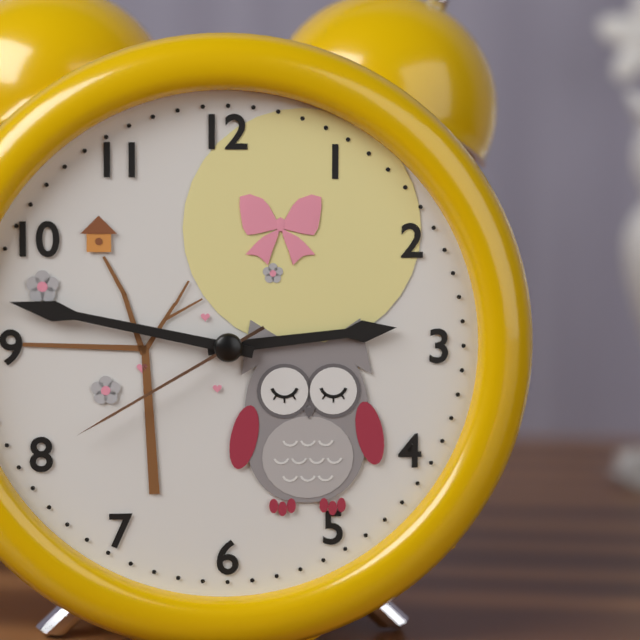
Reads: 2:47:40
